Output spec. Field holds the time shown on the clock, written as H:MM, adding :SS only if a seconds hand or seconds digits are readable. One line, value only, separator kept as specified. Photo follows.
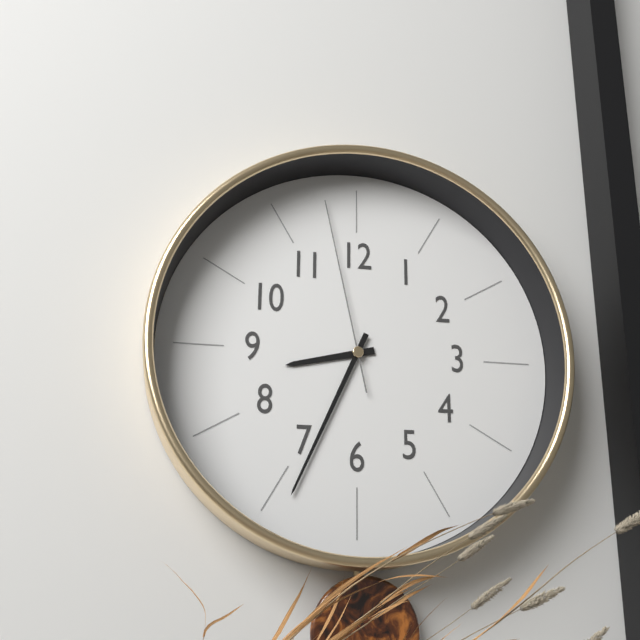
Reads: 8:34:58
